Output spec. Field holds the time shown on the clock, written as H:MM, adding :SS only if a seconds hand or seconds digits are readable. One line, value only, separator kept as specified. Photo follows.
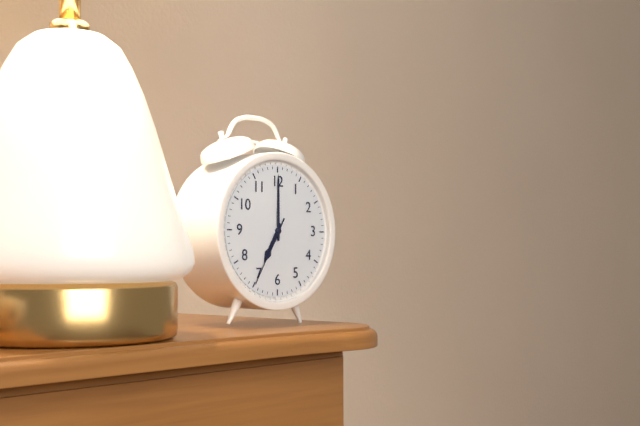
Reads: 7:00:35
